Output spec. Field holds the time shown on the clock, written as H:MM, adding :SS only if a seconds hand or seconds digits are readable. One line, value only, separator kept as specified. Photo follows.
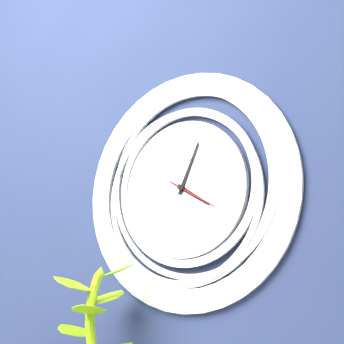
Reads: 4:04
